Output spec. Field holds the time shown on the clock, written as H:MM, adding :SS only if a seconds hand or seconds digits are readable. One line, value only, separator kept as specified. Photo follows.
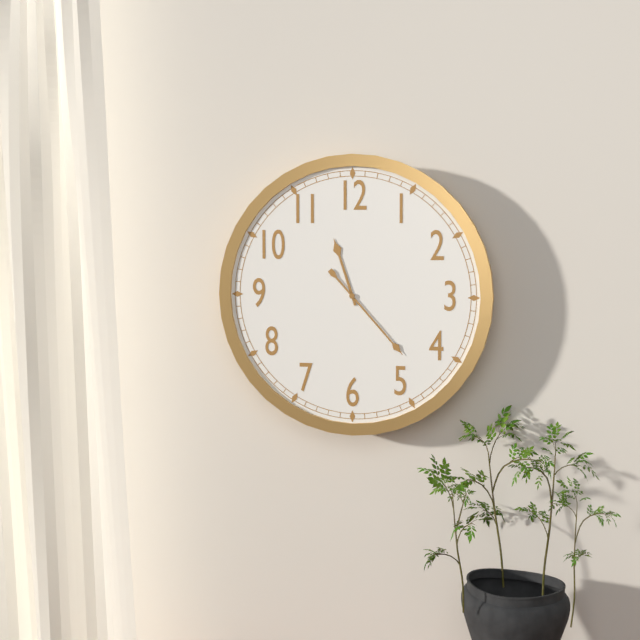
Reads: 11:23
